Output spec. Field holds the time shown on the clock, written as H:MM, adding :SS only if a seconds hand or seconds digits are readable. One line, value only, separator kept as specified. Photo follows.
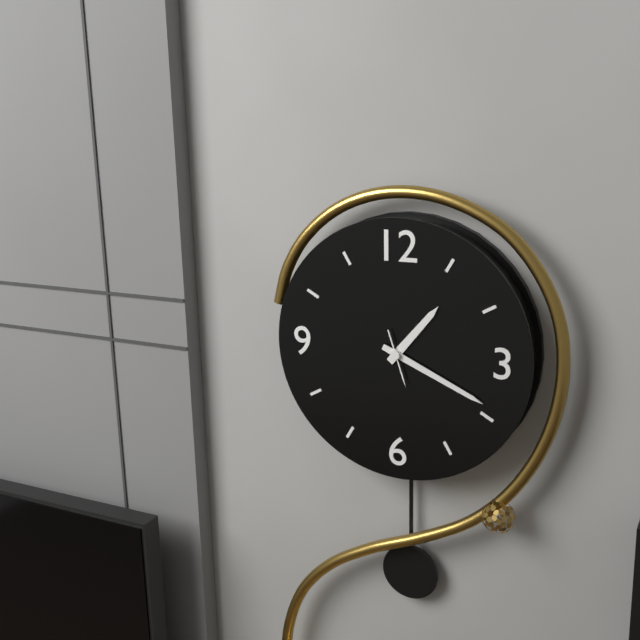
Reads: 1:19
